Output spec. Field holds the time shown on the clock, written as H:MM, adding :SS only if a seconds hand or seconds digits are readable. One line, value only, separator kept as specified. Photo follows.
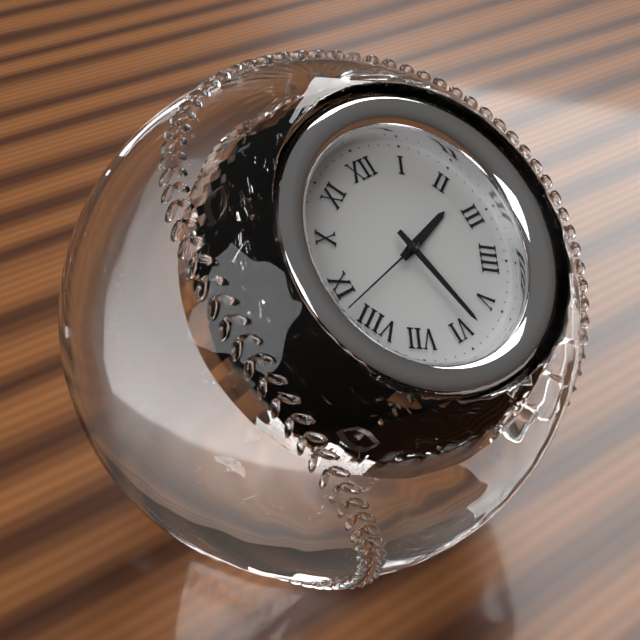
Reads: 2:28:43
